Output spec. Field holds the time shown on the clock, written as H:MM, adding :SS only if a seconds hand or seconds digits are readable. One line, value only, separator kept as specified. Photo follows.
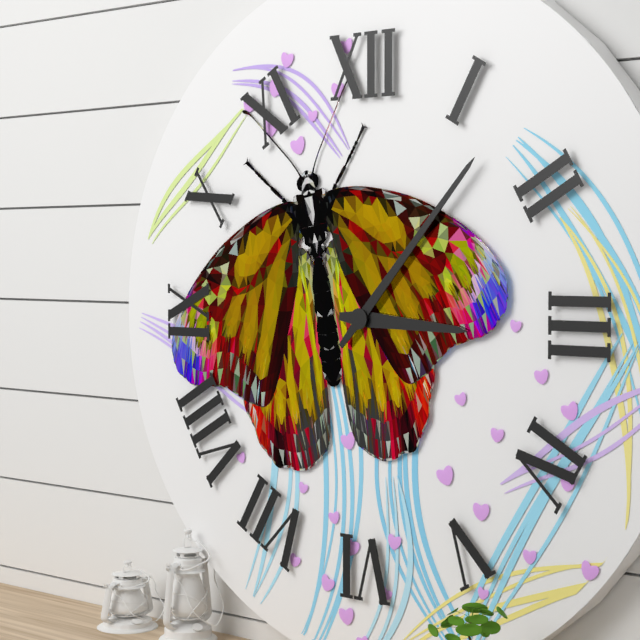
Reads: 3:07
